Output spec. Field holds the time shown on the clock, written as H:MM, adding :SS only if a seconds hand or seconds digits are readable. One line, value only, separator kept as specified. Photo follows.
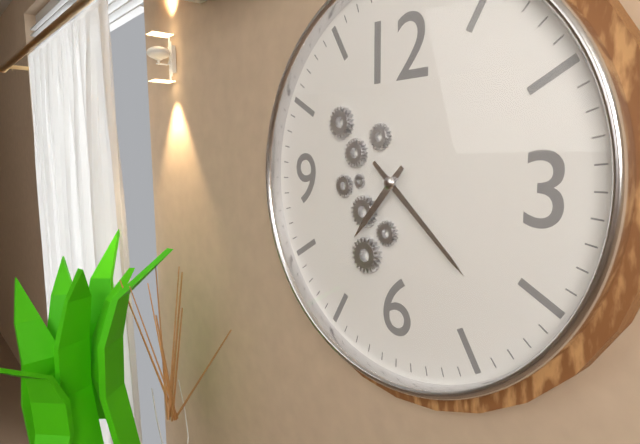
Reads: 7:22
